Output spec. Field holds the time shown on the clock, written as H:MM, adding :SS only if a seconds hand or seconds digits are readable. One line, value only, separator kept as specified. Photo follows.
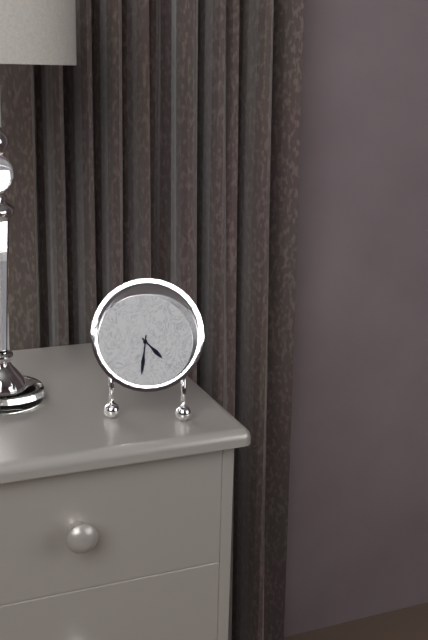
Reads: 4:31
